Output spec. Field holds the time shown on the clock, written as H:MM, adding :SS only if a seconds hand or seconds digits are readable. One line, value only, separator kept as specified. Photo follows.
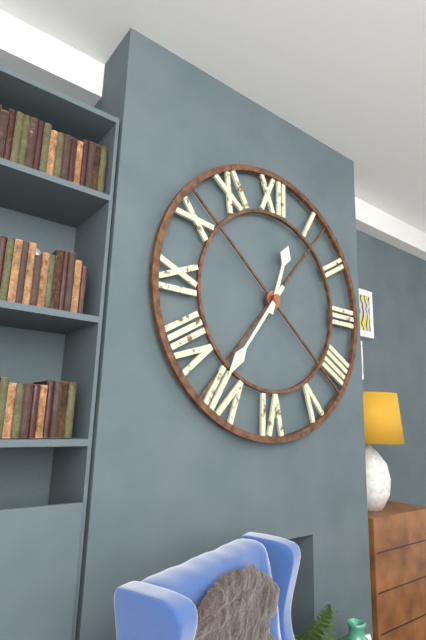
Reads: 12:36
